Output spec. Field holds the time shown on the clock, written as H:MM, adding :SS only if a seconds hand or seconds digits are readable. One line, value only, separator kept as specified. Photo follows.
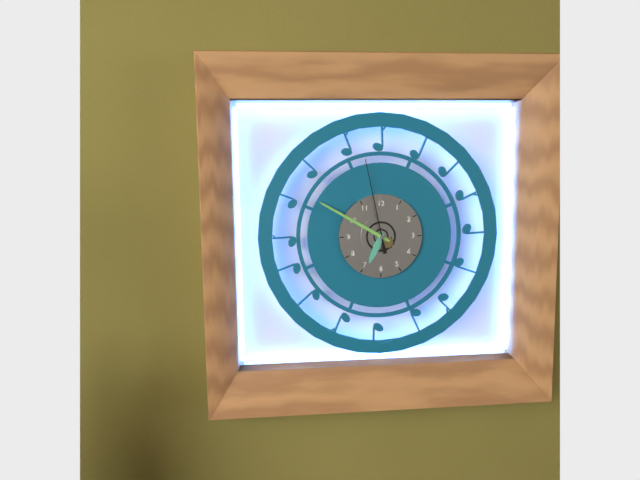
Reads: 6:50:58
